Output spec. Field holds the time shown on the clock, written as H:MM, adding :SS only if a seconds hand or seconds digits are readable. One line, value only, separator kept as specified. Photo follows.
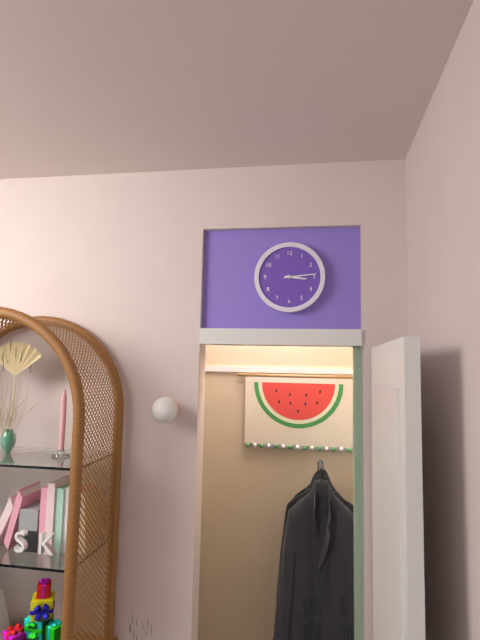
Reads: 3:14
